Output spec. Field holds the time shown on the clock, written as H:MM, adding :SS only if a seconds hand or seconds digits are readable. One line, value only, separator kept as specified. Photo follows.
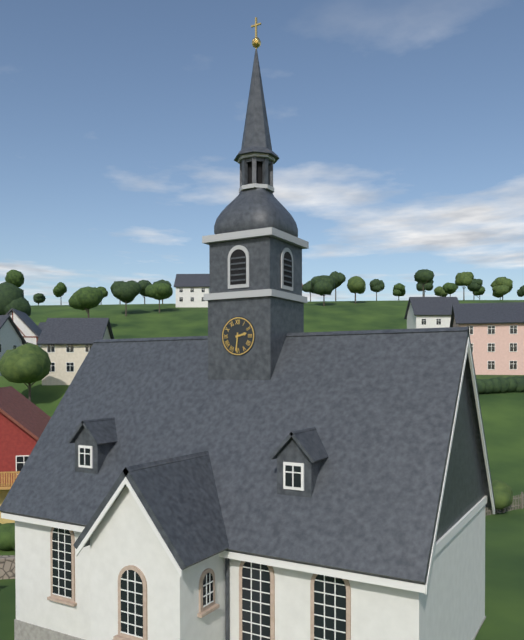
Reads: 2:31
